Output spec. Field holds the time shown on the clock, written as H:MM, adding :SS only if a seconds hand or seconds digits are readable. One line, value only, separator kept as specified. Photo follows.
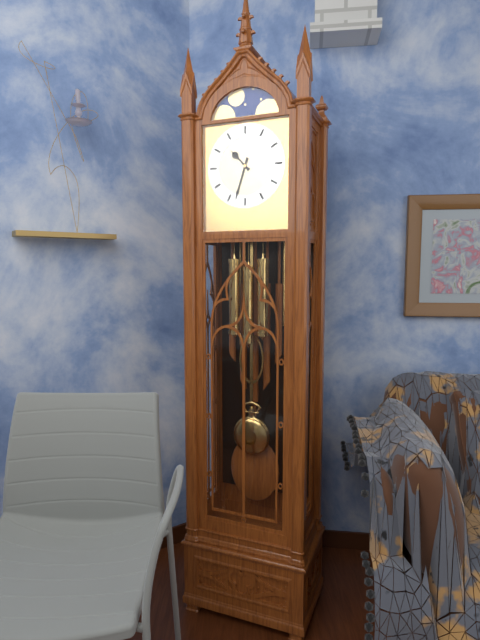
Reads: 10:33
